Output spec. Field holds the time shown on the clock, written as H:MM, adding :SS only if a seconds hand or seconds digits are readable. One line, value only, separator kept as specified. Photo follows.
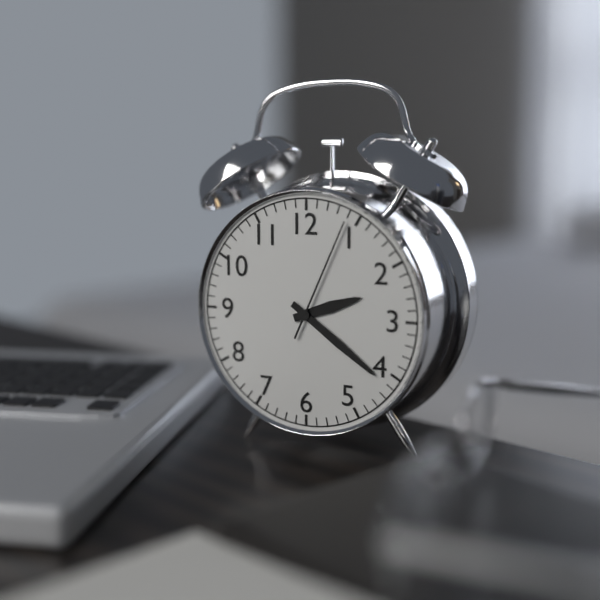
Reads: 2:21:04
